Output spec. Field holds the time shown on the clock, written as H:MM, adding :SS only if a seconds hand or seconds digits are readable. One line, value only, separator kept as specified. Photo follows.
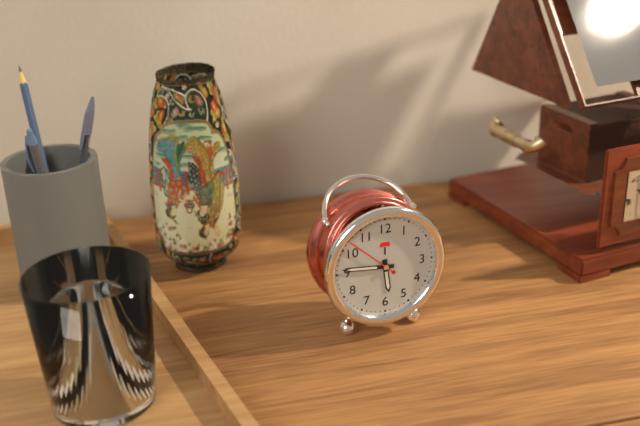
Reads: 5:46:52
